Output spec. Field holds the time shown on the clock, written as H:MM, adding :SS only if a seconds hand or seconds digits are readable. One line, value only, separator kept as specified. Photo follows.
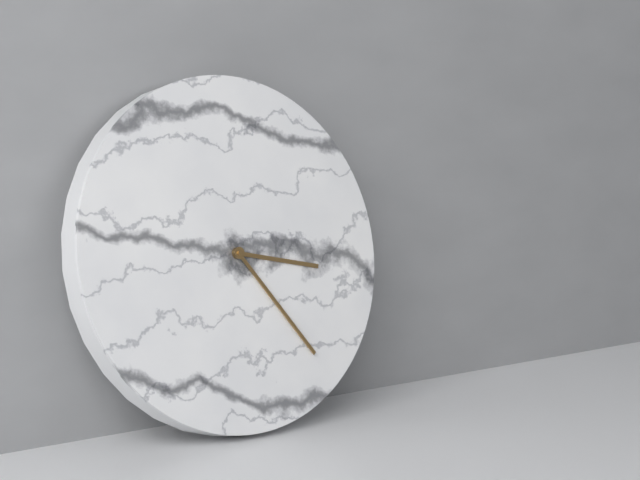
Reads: 3:24
